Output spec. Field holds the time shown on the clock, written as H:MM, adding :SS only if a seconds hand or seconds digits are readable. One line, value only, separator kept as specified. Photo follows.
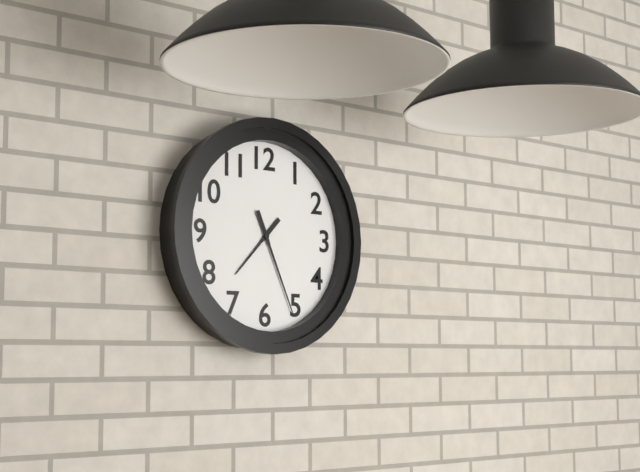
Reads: 7:26
